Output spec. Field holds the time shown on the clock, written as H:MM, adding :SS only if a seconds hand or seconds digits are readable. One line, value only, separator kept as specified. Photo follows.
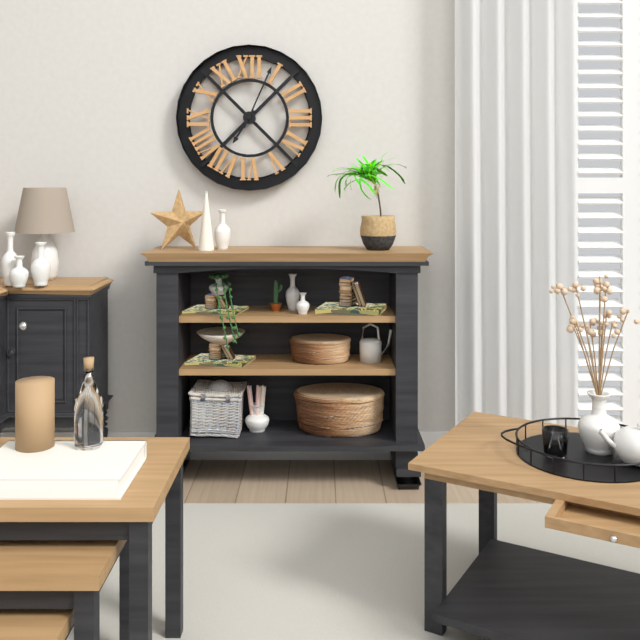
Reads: 7:04
